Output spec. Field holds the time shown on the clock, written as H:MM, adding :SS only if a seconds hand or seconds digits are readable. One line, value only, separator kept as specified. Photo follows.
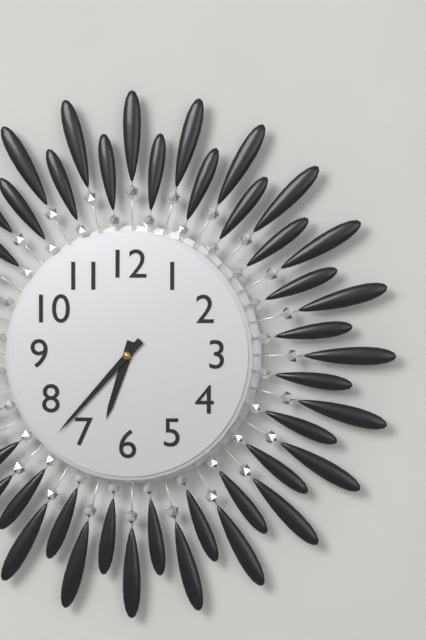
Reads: 6:37
